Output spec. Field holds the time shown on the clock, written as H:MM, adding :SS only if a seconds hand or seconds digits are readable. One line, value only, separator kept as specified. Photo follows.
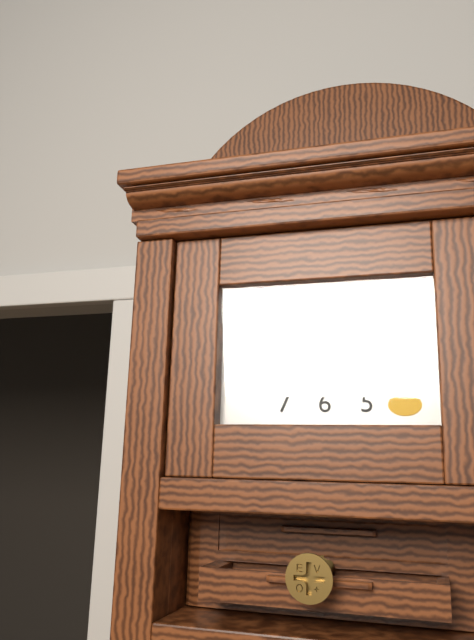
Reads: 8:05
